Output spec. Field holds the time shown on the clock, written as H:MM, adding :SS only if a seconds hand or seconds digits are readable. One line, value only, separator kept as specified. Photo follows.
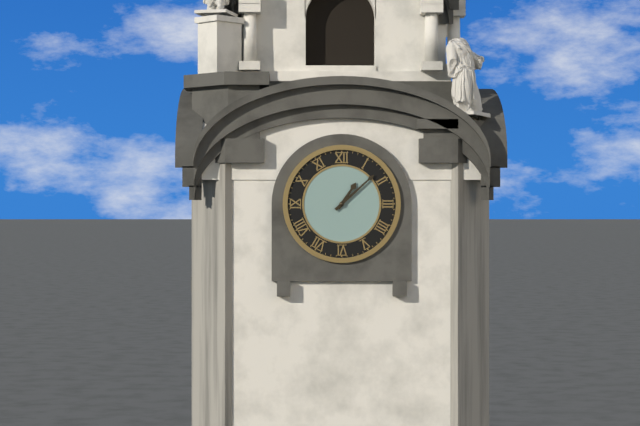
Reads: 1:08
